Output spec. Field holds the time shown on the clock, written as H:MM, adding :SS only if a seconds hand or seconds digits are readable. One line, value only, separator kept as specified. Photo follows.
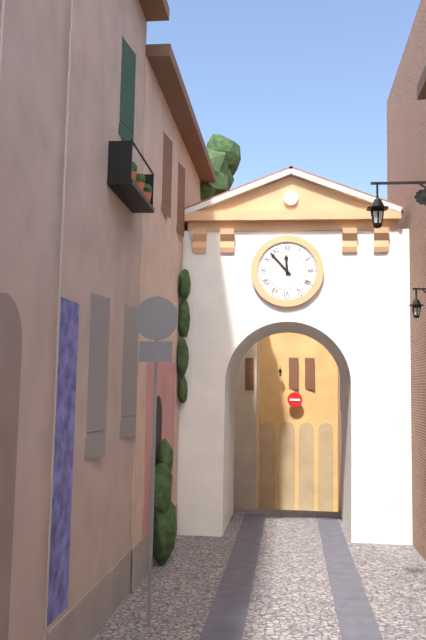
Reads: 11:53
